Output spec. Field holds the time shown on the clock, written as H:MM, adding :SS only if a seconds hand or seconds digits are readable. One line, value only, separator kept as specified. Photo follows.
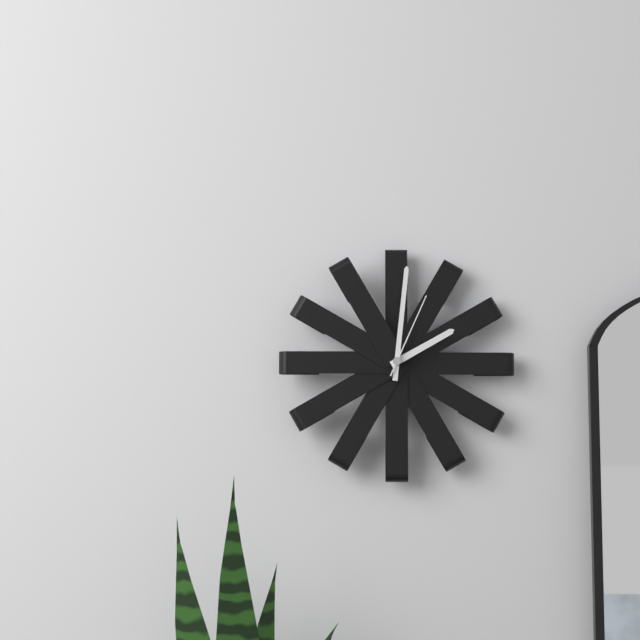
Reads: 2:01:04
